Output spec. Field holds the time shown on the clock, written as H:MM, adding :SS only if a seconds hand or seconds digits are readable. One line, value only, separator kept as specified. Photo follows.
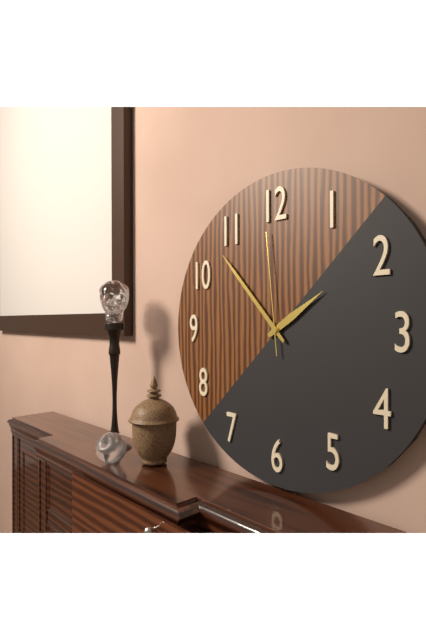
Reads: 1:53:59
